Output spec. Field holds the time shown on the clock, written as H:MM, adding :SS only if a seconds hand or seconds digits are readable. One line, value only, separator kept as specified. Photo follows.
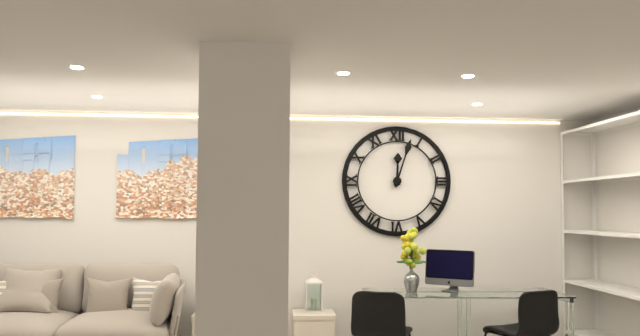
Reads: 12:03
